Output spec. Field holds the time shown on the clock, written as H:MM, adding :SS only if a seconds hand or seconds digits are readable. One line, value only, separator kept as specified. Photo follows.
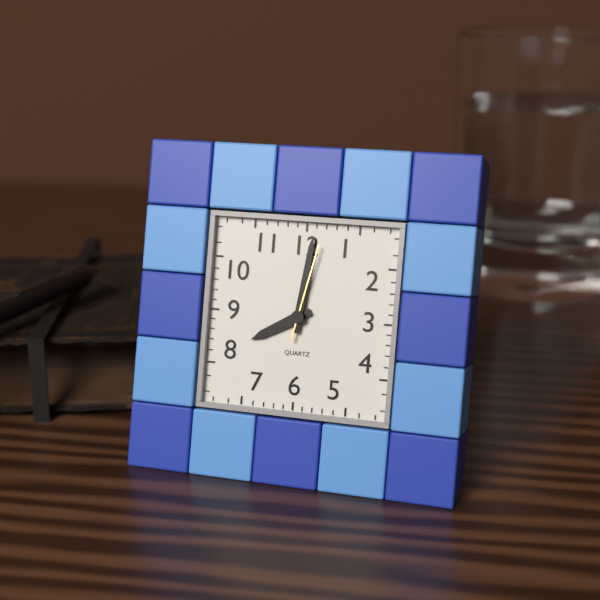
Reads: 8:01:02
